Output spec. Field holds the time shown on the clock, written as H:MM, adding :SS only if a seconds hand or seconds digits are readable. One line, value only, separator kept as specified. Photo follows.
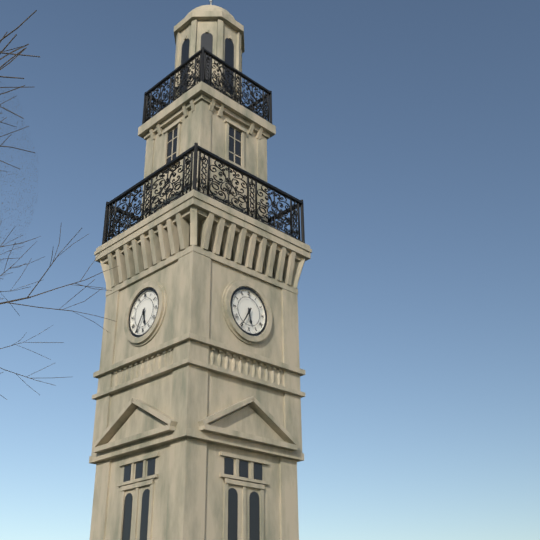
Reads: 5:35
